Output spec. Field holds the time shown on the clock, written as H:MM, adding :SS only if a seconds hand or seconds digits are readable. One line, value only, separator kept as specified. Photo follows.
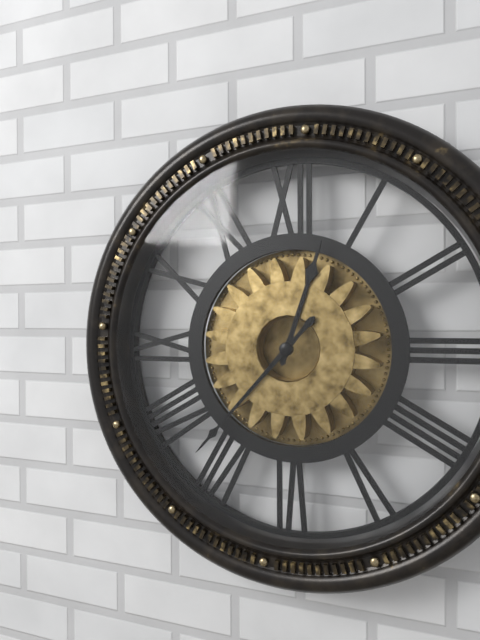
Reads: 12:37
